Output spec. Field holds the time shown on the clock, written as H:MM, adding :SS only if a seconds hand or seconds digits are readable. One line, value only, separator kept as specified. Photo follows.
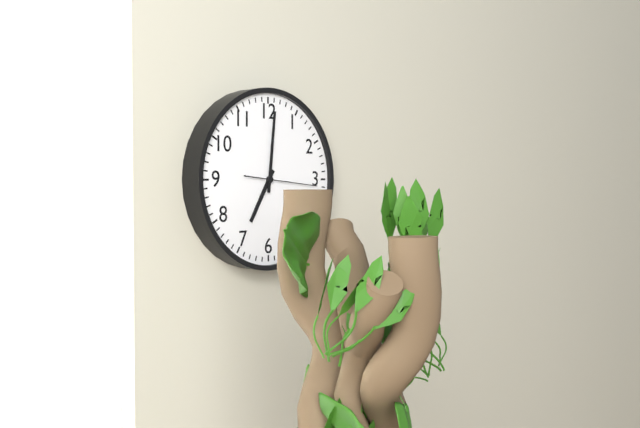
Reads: 7:01:16
